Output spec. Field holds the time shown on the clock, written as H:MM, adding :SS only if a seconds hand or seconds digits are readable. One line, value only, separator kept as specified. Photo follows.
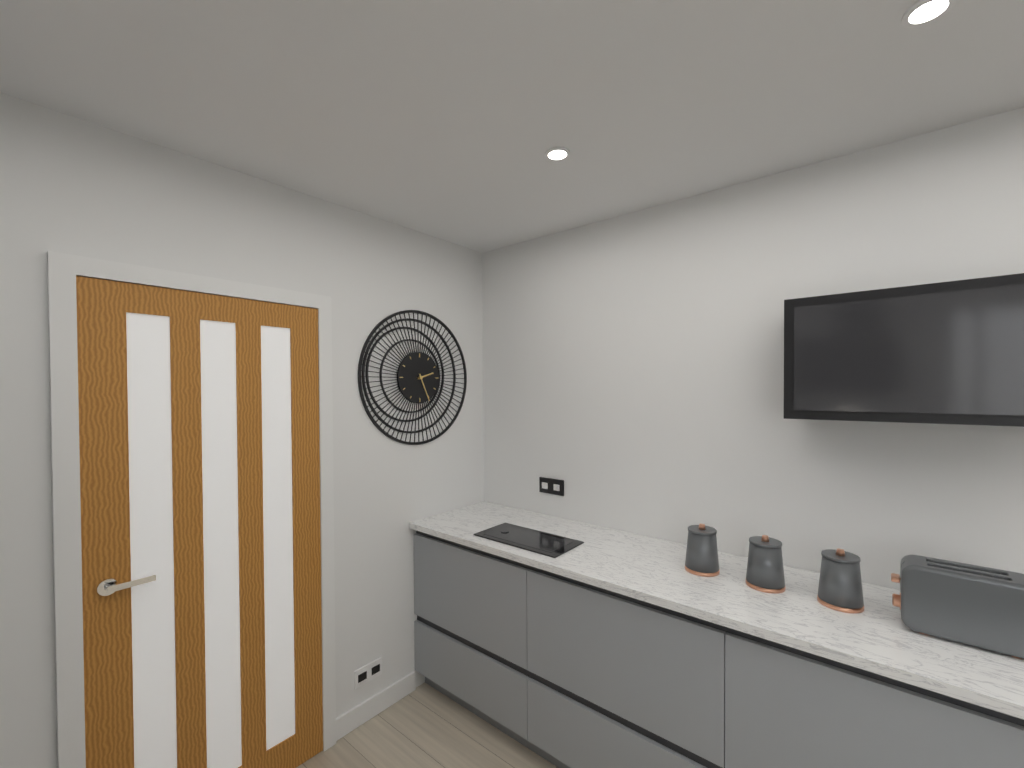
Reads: 2:26
